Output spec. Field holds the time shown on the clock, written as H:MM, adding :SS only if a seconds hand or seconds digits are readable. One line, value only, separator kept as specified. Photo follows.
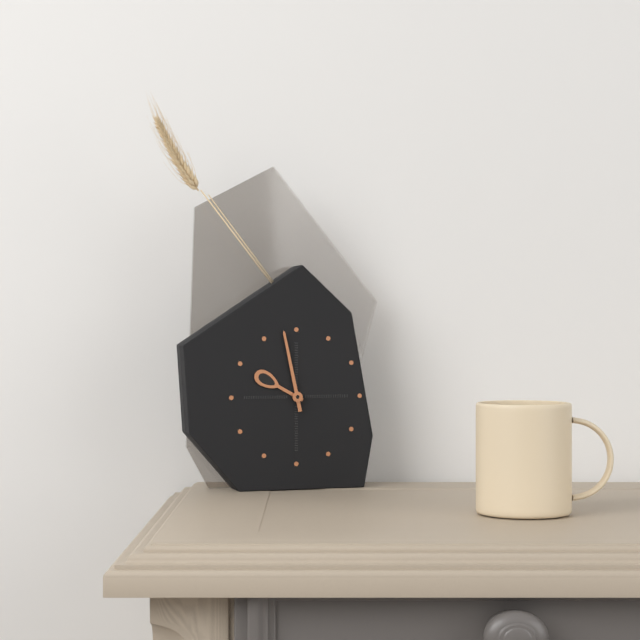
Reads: 9:58
